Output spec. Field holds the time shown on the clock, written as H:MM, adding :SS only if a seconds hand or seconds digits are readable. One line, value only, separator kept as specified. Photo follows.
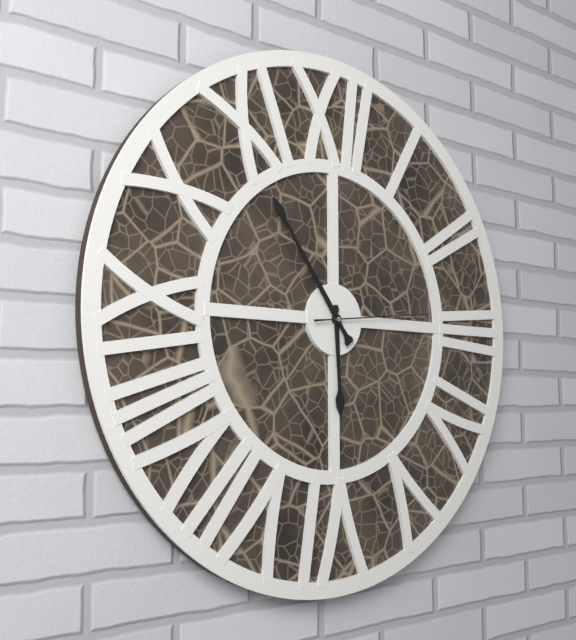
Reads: 5:54:14
